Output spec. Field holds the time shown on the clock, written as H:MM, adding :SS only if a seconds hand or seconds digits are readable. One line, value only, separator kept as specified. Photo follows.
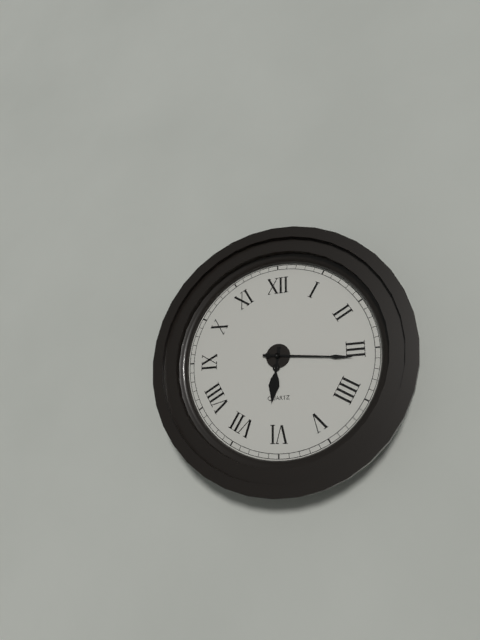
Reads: 6:16
